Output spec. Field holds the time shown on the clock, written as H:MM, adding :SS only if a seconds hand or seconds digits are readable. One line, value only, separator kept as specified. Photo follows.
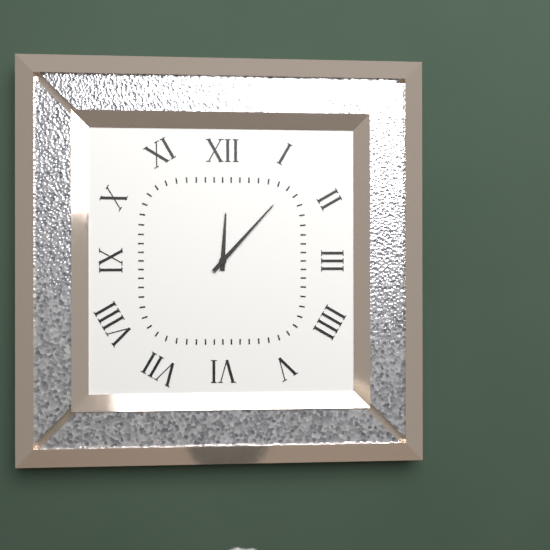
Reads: 12:07
